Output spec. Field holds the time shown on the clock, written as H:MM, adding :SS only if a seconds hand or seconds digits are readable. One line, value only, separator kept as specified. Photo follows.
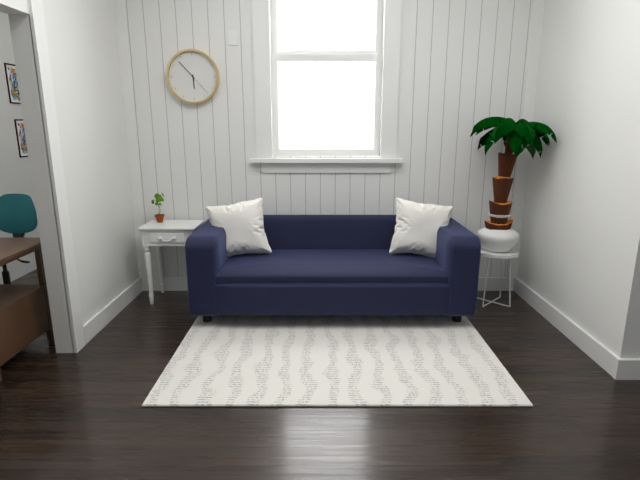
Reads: 5:53
